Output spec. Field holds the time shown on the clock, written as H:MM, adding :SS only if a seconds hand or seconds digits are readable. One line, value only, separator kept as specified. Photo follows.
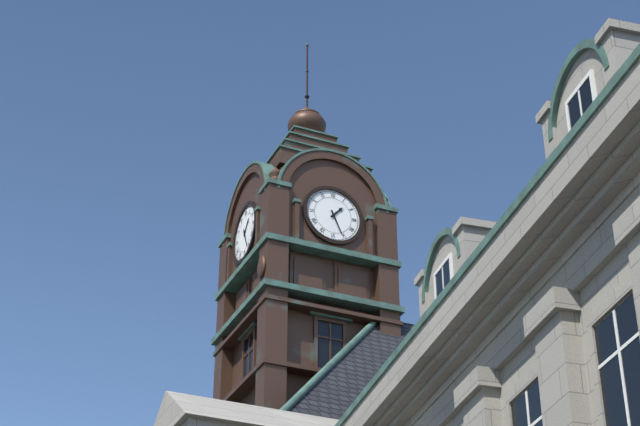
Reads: 1:26
